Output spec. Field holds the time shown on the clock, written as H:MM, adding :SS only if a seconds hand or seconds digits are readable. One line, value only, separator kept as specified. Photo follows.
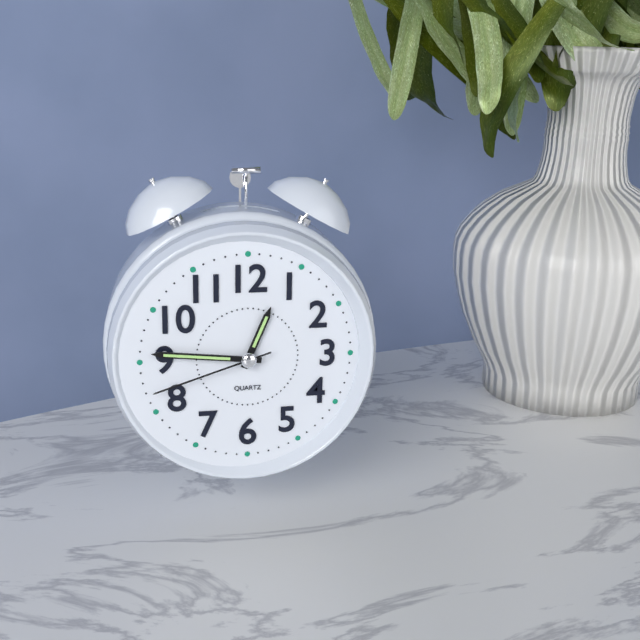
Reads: 12:46:42
